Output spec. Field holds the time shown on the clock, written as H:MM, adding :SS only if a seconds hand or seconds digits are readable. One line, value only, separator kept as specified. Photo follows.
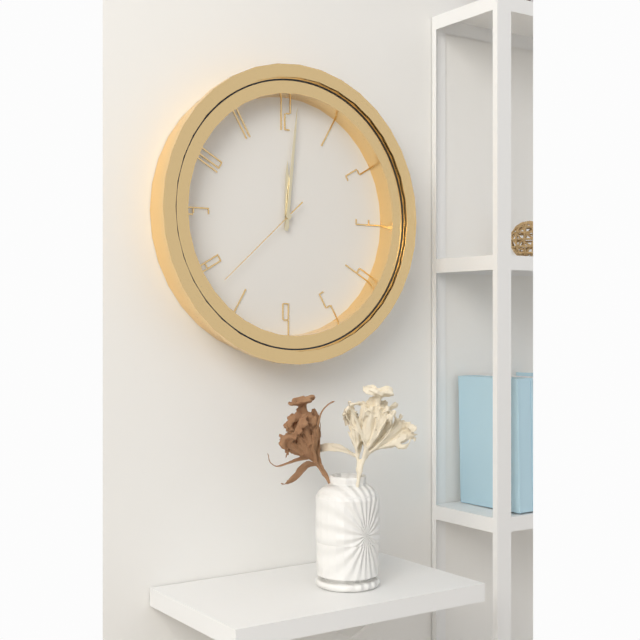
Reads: 12:01:38
